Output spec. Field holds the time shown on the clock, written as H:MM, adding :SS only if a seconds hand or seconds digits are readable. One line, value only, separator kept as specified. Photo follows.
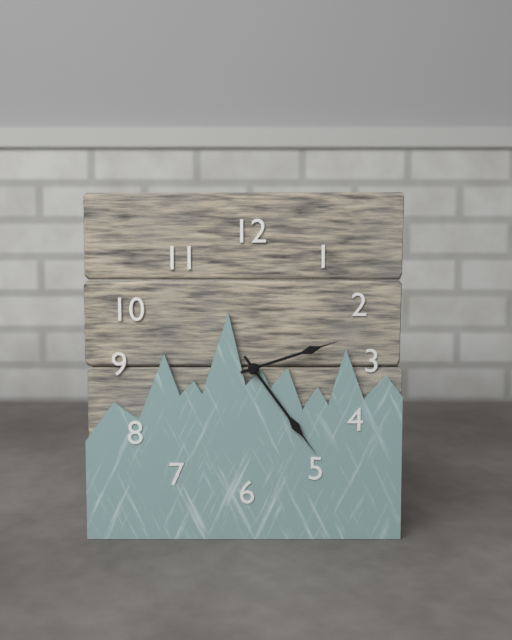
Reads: 2:24
